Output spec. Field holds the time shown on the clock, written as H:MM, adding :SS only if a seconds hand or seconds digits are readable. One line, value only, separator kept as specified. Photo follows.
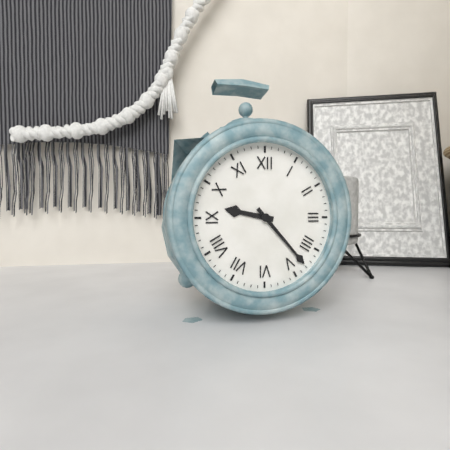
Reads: 9:23
